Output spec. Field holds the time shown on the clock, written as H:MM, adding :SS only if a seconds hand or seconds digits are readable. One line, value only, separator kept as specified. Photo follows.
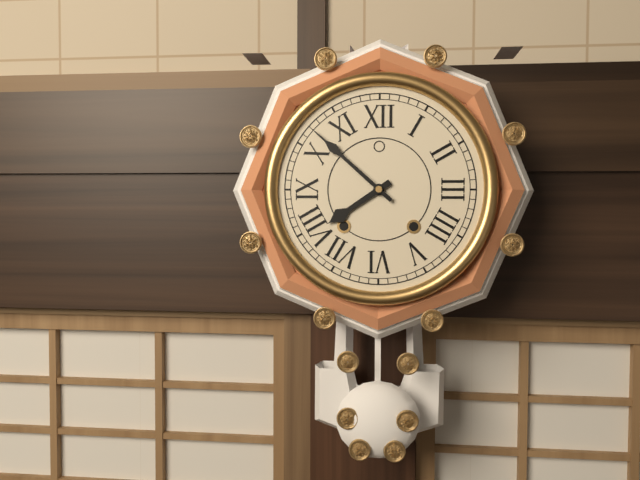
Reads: 7:52
